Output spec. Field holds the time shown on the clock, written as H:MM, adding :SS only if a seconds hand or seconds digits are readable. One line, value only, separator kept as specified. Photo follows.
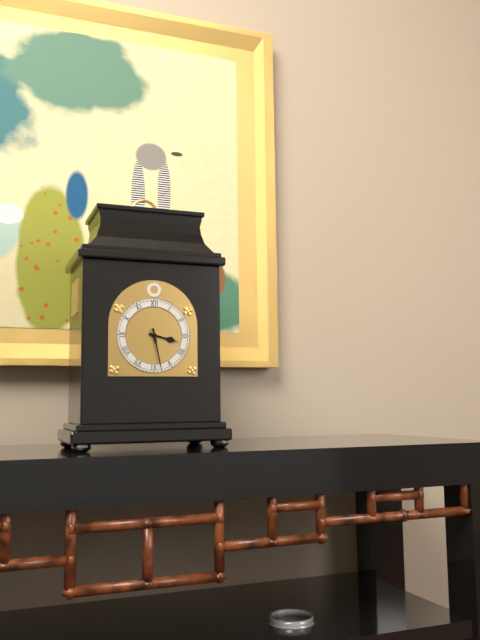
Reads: 3:28
